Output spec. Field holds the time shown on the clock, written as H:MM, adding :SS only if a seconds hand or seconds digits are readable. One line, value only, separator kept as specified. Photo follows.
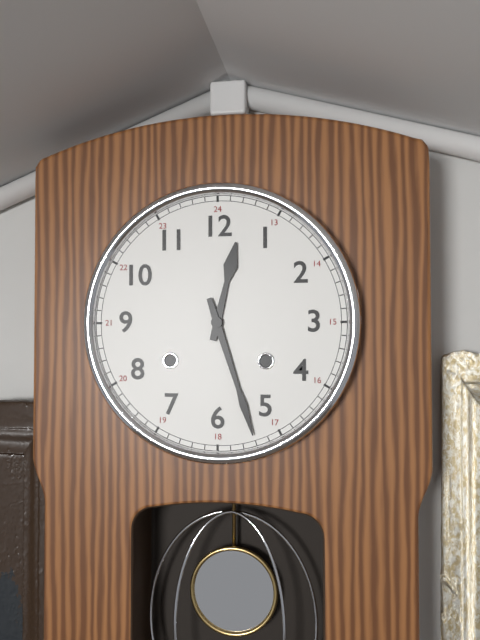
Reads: 12:27
